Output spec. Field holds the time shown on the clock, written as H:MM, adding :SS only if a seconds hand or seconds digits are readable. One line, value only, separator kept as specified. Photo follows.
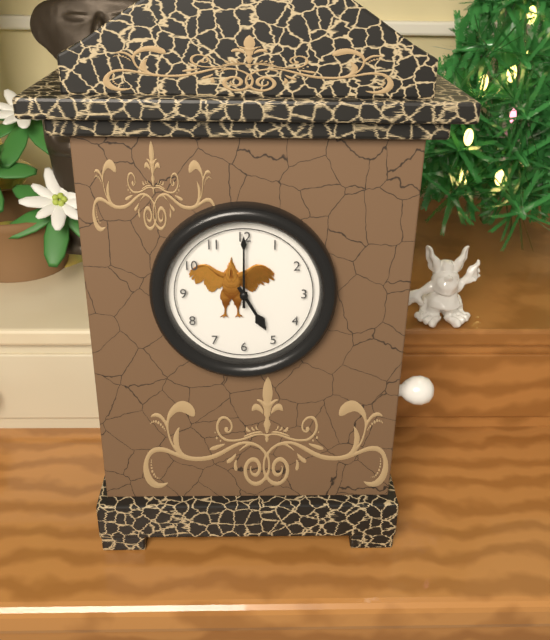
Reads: 5:00
